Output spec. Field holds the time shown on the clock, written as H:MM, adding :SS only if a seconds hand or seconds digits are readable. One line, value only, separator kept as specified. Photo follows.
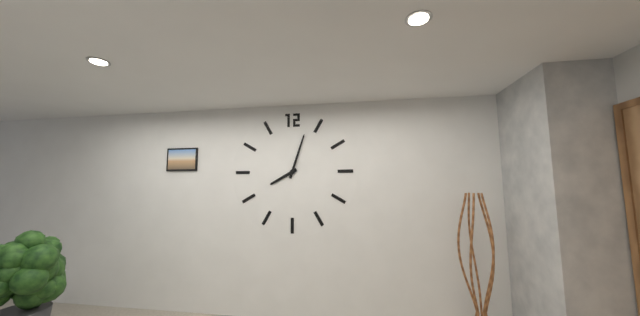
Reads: 8:03
